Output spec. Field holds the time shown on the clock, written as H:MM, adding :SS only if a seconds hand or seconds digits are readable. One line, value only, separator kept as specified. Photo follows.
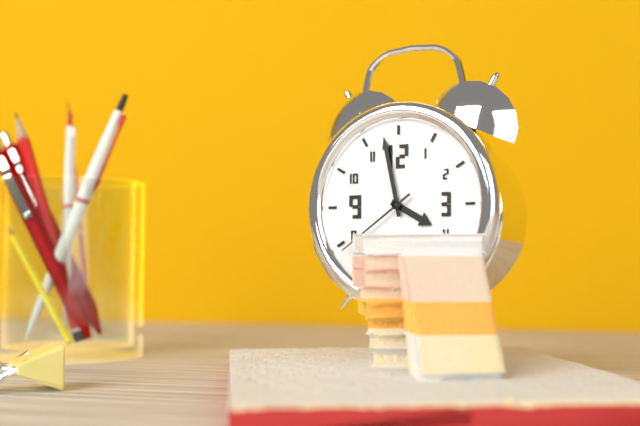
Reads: 3:58:39
